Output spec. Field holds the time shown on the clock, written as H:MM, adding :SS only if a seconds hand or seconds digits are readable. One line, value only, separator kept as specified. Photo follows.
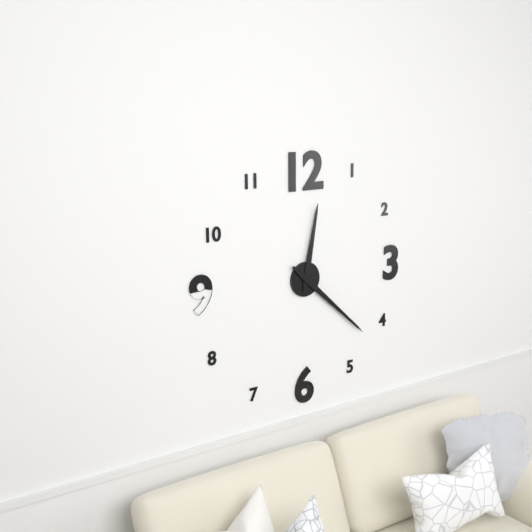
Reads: 12:22
